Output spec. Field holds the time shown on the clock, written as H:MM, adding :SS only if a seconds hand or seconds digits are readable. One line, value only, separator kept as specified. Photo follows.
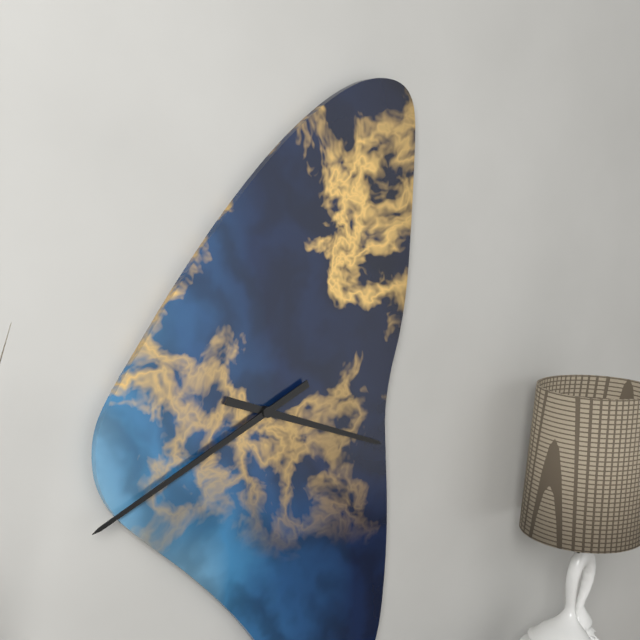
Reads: 3:41
